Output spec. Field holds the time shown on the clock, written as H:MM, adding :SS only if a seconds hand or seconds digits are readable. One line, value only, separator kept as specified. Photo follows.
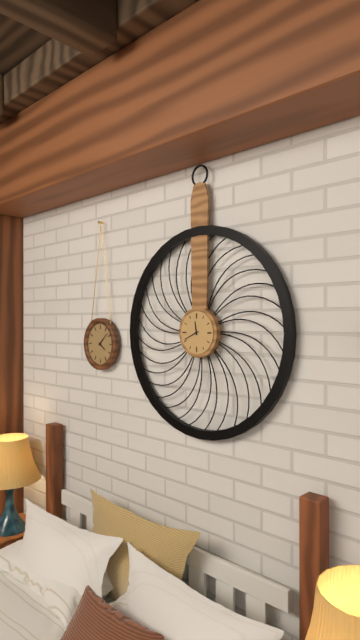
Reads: 11:41
